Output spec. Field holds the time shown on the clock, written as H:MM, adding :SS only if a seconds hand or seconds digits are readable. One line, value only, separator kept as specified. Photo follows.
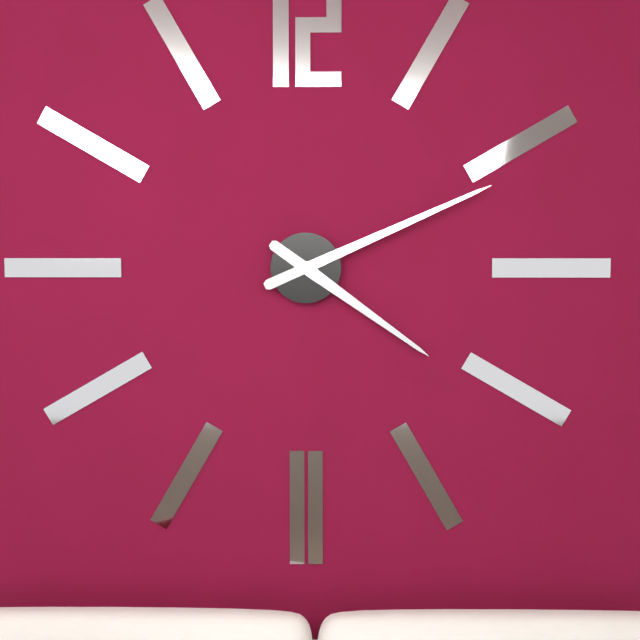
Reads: 4:11
